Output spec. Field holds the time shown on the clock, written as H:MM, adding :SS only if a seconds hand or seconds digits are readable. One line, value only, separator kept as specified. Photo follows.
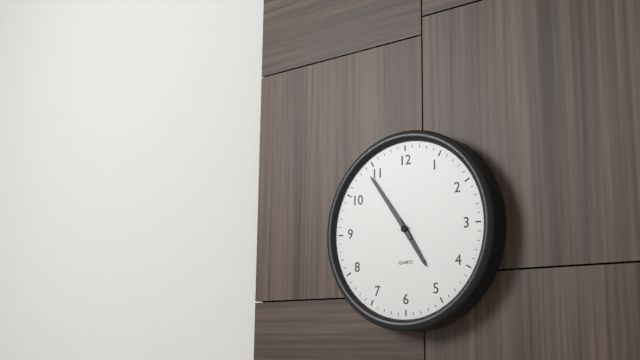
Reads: 4:54
